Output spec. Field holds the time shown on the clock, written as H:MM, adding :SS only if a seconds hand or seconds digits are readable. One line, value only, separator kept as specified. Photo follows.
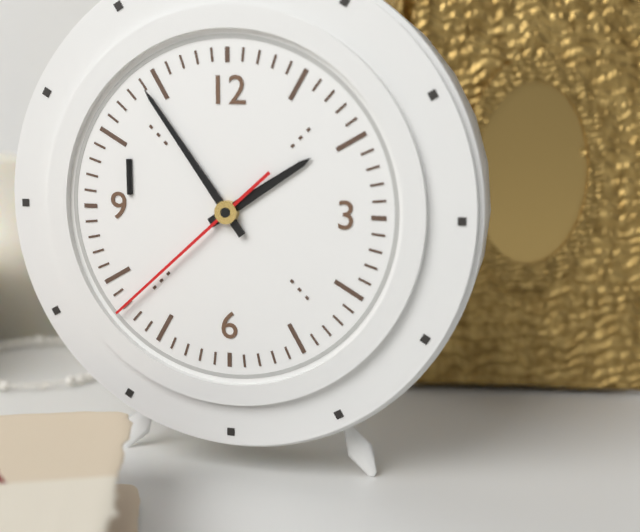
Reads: 1:54:38
